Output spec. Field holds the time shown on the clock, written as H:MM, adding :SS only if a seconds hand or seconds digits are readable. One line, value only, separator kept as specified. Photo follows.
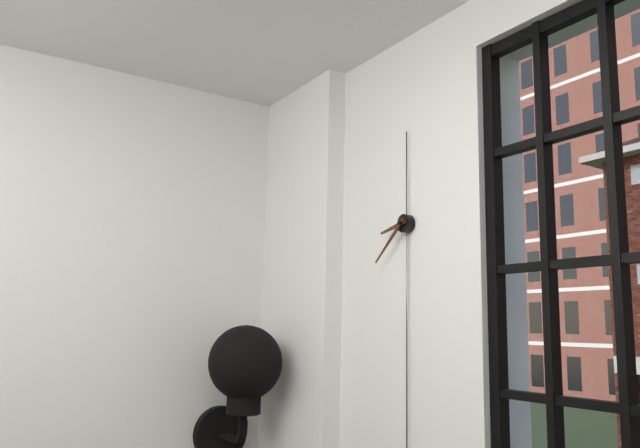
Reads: 8:38
